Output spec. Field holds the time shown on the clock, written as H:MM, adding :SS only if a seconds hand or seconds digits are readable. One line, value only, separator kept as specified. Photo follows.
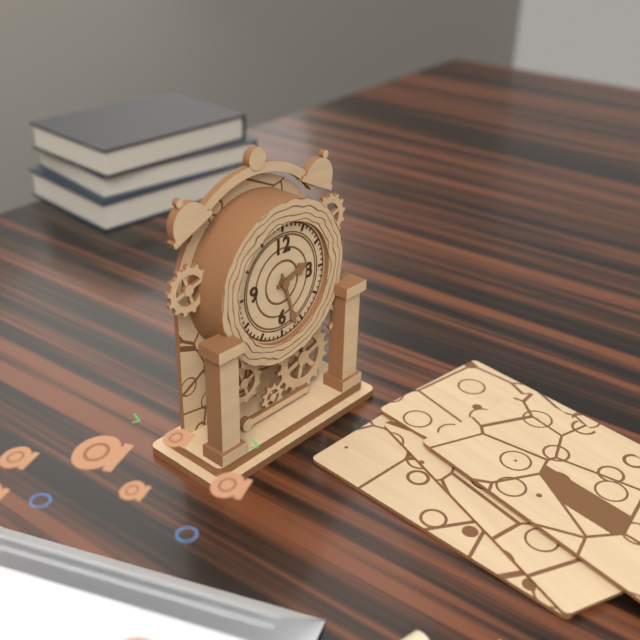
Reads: 2:27
